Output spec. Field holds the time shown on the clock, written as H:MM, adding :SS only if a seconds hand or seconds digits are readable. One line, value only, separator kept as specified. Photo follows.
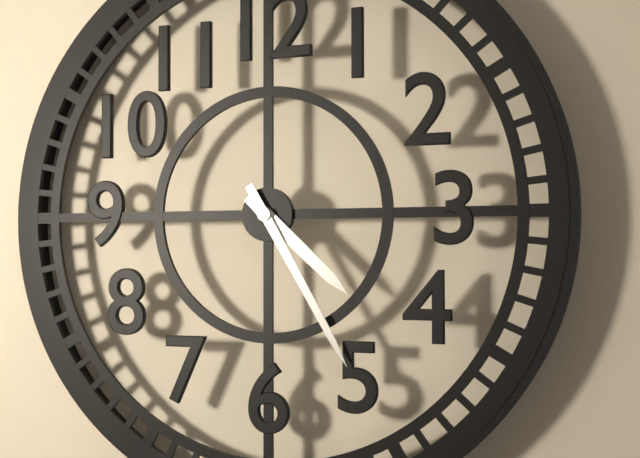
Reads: 4:25
